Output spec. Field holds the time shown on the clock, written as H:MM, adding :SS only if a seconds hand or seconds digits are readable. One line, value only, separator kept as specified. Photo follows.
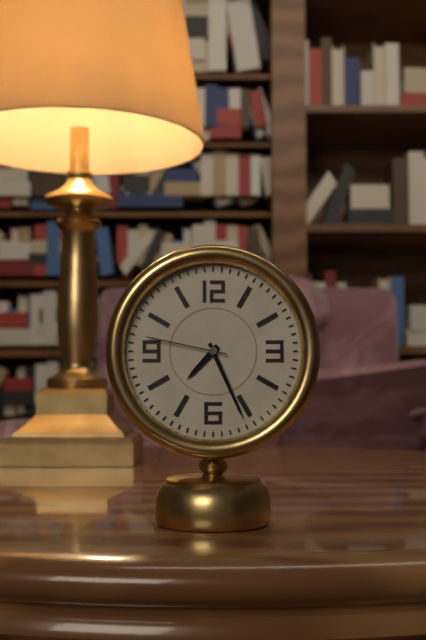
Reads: 7:26:47
